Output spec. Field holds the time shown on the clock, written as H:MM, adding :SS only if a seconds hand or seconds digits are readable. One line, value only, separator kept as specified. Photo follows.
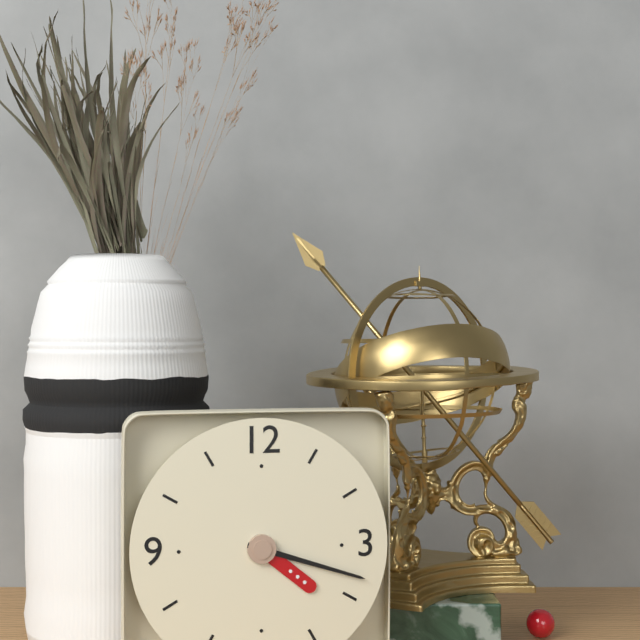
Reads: 4:18
